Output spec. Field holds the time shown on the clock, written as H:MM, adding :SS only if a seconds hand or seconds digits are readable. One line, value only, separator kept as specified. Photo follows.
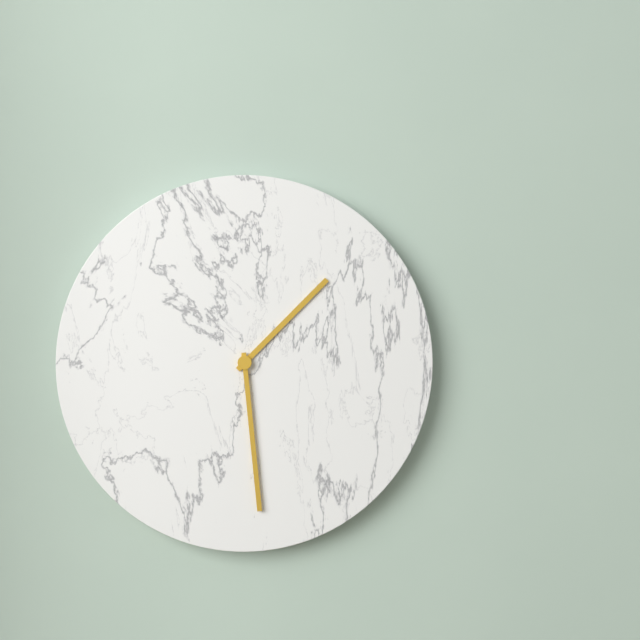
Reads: 1:29
